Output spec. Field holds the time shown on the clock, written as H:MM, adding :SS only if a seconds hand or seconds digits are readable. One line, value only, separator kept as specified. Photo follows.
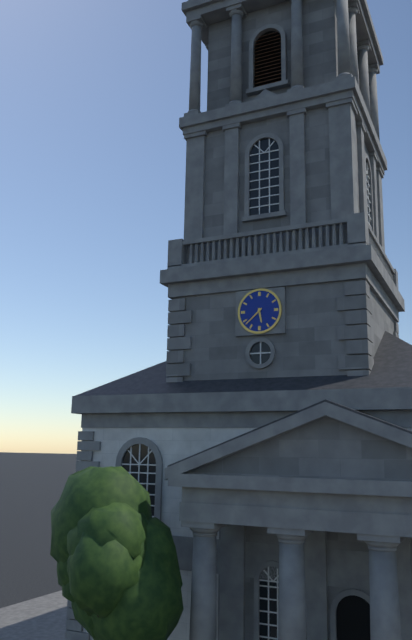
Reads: 5:38
